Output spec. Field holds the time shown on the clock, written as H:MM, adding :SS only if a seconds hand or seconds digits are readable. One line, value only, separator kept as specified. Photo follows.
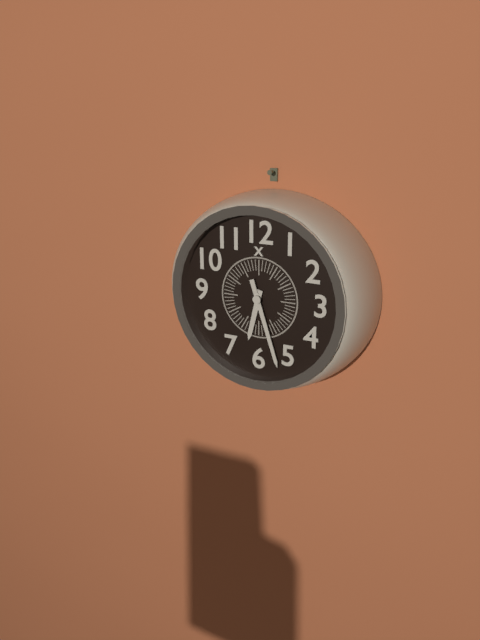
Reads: 6:27
